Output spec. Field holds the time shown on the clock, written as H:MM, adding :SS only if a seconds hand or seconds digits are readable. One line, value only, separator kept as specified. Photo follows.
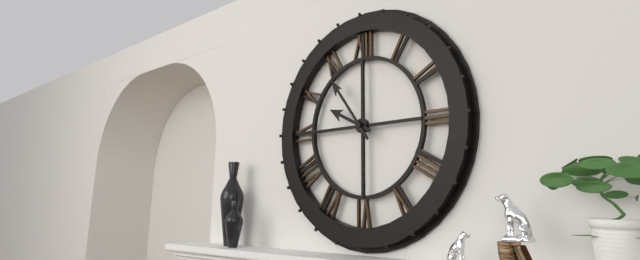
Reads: 9:54
